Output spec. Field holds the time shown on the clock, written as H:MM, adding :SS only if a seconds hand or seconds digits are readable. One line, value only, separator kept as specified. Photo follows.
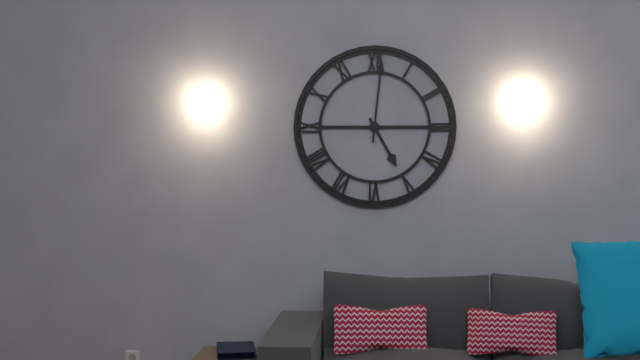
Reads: 5:01
